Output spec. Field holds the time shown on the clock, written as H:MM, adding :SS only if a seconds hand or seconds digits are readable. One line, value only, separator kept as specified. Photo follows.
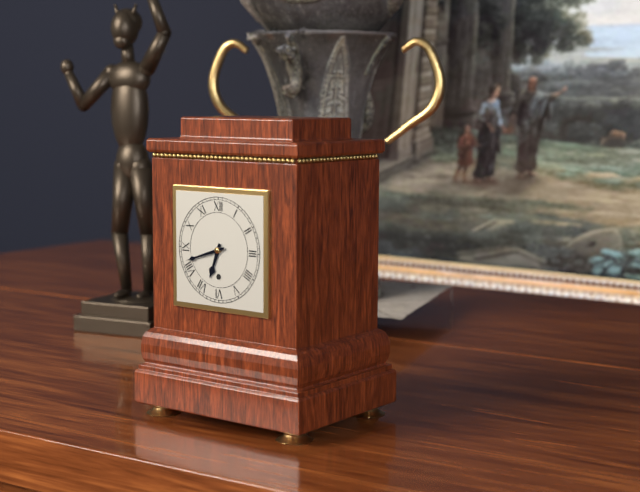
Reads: 6:42
